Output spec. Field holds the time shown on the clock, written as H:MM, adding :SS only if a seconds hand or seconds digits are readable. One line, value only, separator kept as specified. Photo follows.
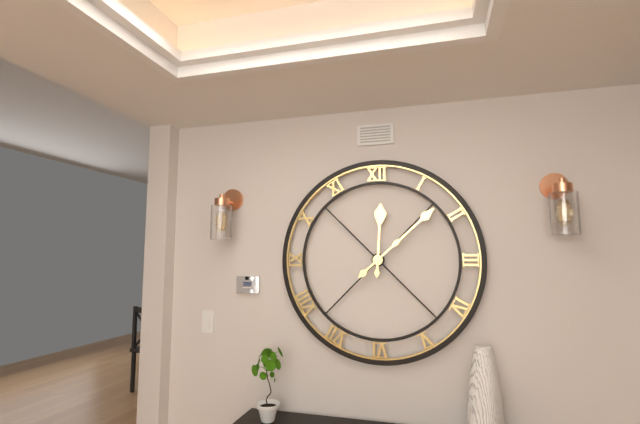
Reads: 12:08
